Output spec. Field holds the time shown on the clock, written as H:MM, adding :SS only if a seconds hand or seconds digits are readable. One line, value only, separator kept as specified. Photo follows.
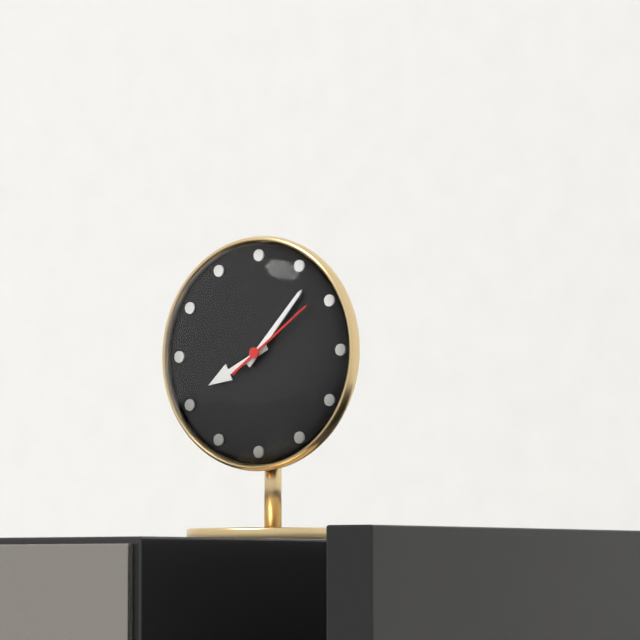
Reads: 8:07:09
